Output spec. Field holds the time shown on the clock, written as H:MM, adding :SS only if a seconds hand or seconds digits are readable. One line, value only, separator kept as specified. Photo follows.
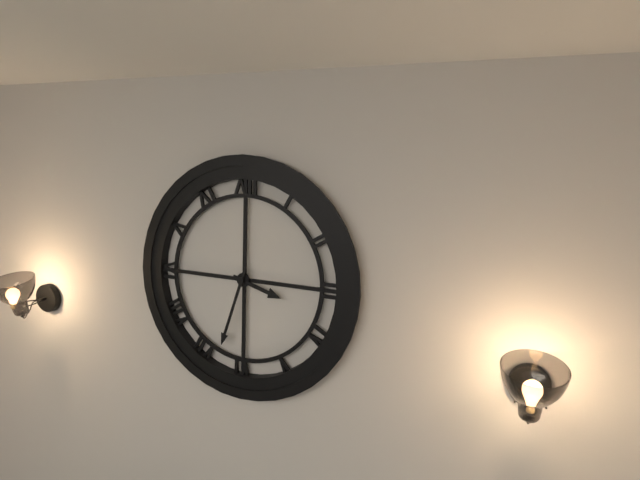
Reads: 3:33
